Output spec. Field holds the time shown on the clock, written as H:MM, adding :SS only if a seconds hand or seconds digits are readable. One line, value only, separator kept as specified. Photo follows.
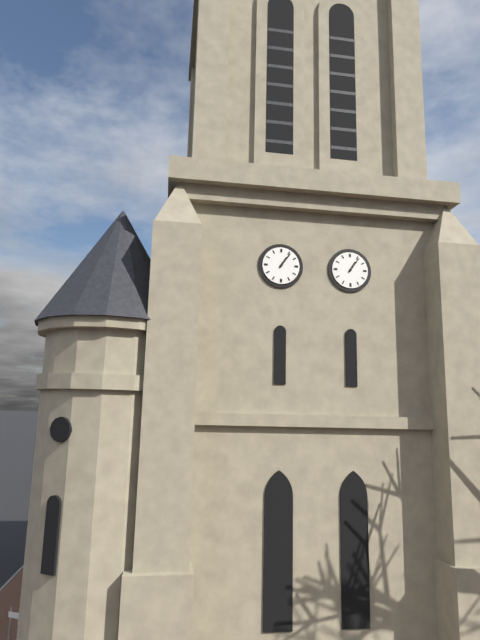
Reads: 1:06
